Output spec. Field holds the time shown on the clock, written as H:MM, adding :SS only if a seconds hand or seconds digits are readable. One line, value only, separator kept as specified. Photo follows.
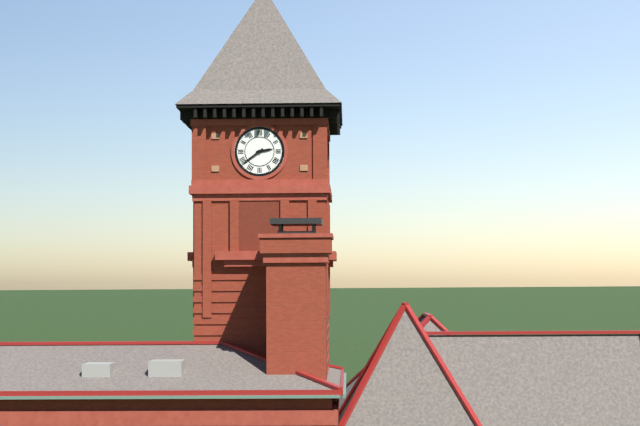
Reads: 2:39
